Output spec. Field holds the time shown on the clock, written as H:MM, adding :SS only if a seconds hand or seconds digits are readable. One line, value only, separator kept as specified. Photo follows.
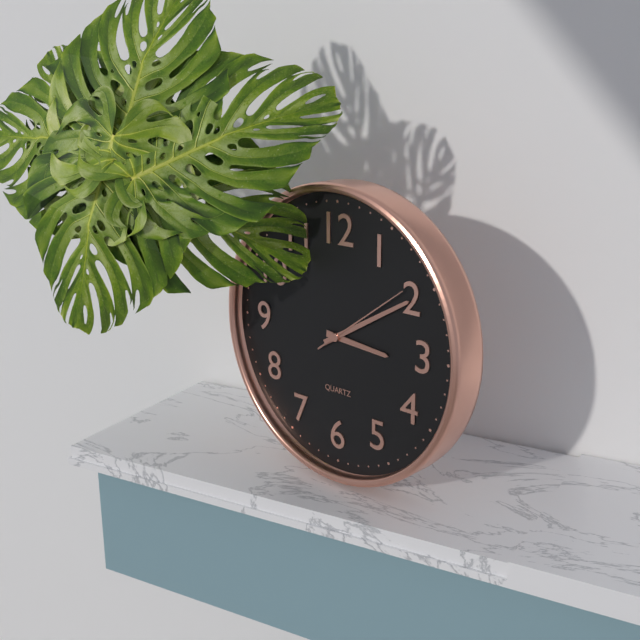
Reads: 3:10:09
